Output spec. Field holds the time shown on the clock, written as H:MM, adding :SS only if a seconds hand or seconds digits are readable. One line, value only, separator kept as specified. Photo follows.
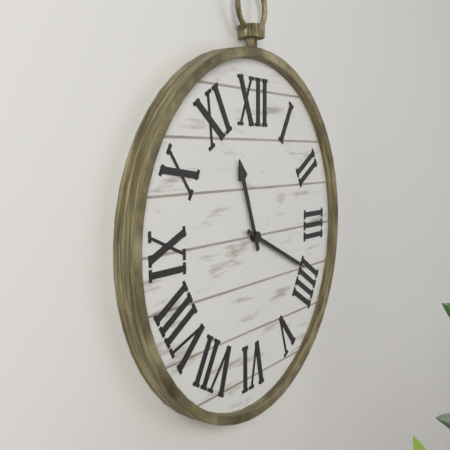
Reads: 11:19
